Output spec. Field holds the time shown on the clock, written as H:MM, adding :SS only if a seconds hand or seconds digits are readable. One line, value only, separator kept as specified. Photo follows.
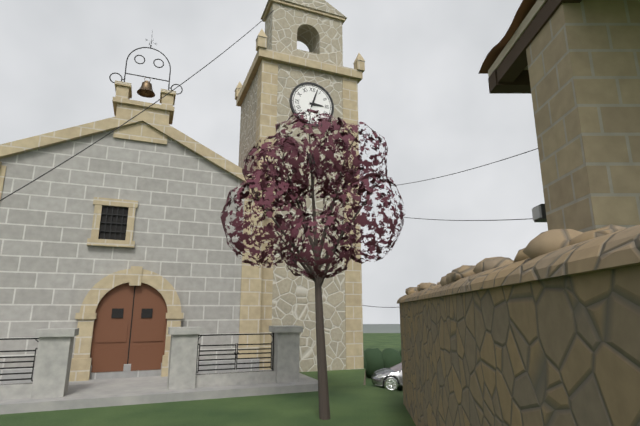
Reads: 3:03
